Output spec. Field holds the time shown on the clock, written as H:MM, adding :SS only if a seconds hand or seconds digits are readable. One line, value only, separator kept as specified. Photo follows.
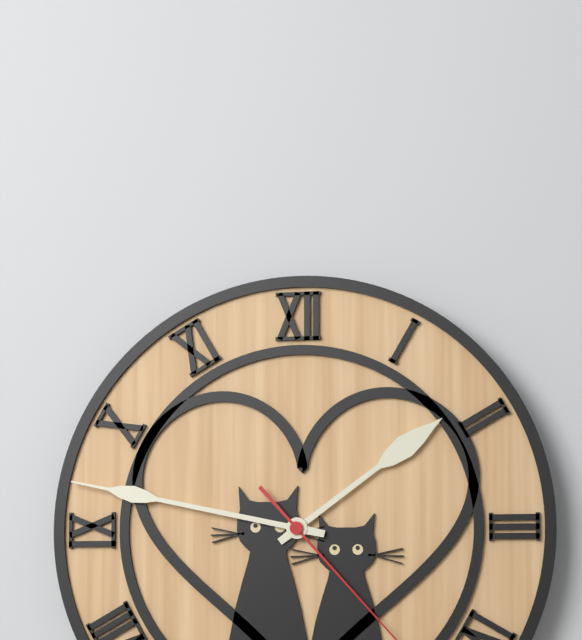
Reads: 1:47
